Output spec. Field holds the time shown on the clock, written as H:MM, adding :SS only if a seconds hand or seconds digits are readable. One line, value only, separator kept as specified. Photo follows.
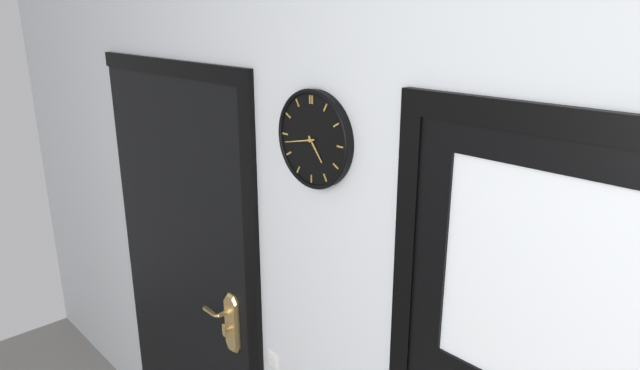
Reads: 4:43
